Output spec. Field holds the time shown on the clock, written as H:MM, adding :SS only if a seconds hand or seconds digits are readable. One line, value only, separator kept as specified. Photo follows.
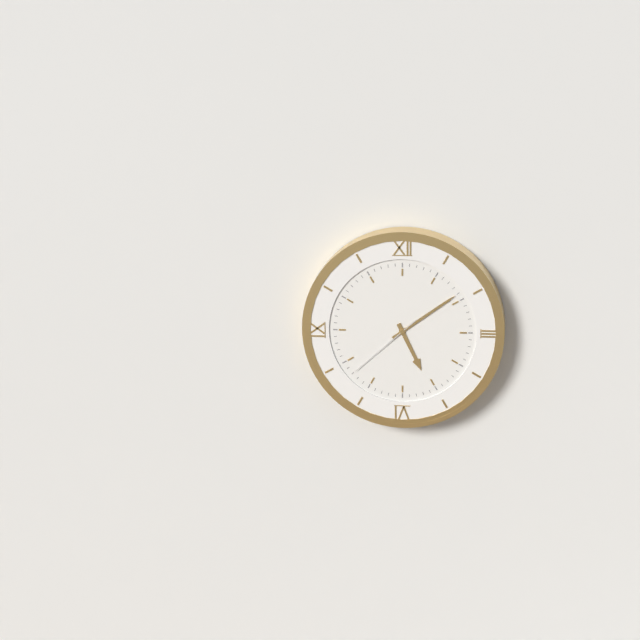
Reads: 5:09:38
